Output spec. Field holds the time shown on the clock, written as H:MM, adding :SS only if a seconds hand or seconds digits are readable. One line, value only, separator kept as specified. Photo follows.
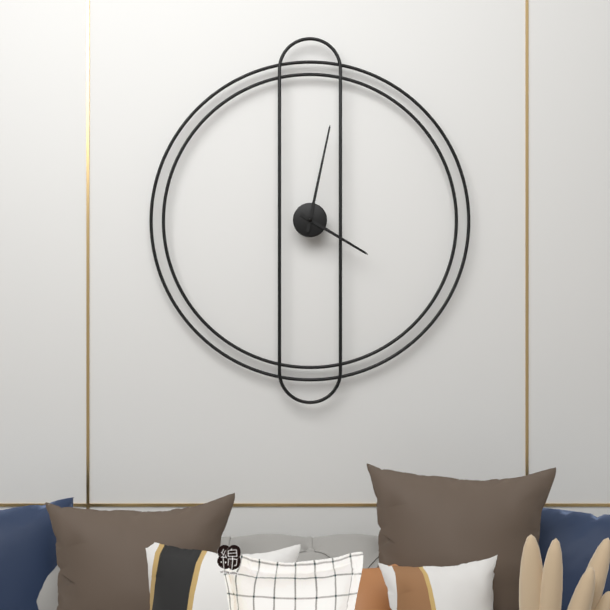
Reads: 4:02
